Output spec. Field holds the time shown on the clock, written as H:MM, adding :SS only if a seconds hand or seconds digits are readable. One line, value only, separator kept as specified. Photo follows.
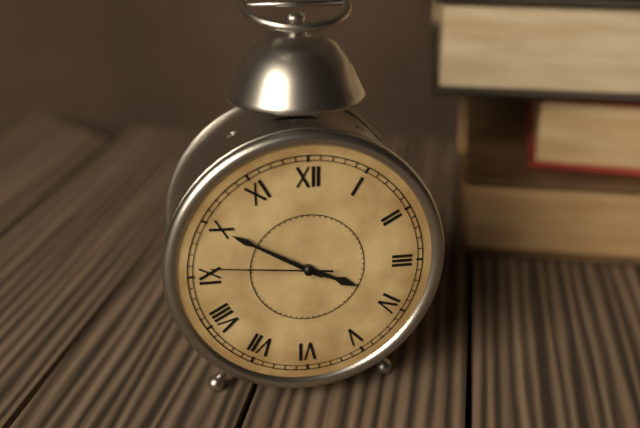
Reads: 3:50:46
